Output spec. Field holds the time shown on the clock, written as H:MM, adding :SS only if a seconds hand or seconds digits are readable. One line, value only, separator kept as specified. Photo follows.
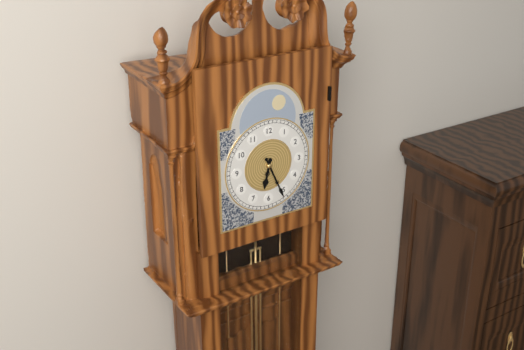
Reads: 6:26
